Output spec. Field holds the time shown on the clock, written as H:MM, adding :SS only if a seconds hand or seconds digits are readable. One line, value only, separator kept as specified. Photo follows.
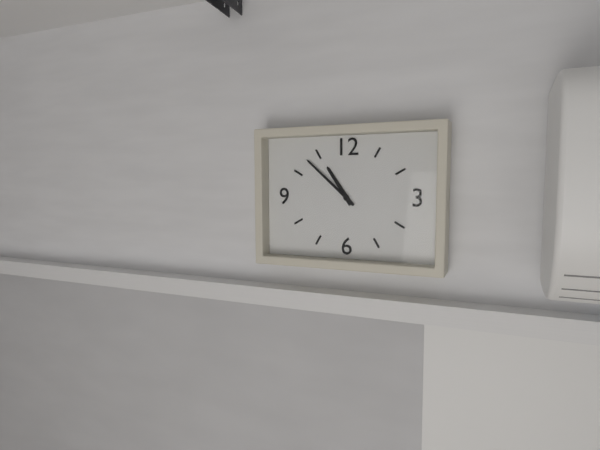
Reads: 10:52
